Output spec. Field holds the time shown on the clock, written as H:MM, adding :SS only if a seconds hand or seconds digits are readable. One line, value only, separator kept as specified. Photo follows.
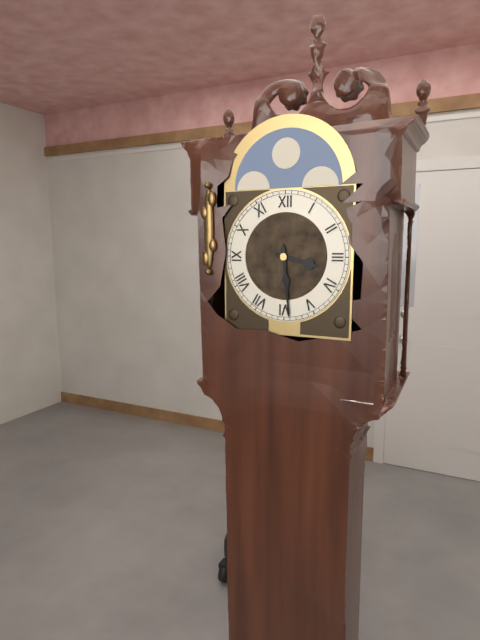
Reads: 3:29
